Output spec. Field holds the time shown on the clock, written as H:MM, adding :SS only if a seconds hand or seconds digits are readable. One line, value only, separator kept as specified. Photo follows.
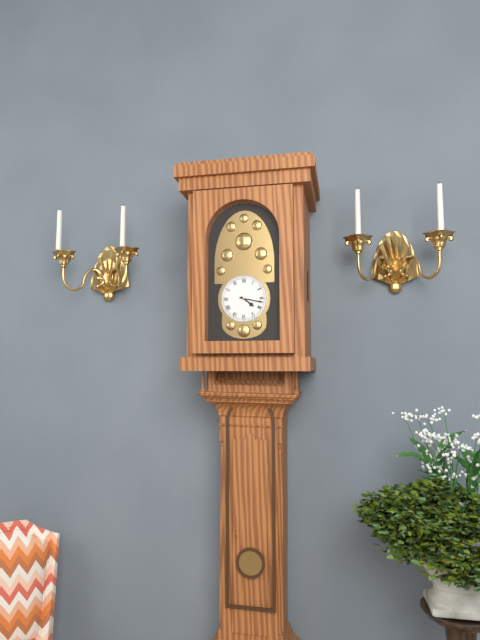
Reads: 4:17
